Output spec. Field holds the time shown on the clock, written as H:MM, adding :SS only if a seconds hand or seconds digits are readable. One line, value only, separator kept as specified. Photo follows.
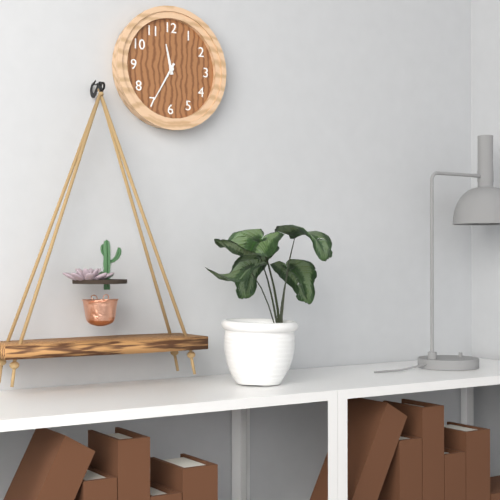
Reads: 11:35
